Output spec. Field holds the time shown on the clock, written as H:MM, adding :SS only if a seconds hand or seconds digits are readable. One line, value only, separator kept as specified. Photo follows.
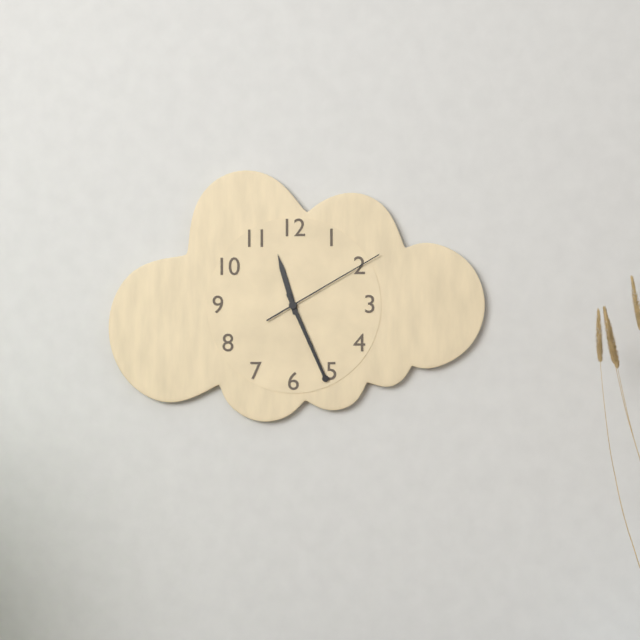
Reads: 11:26:10
